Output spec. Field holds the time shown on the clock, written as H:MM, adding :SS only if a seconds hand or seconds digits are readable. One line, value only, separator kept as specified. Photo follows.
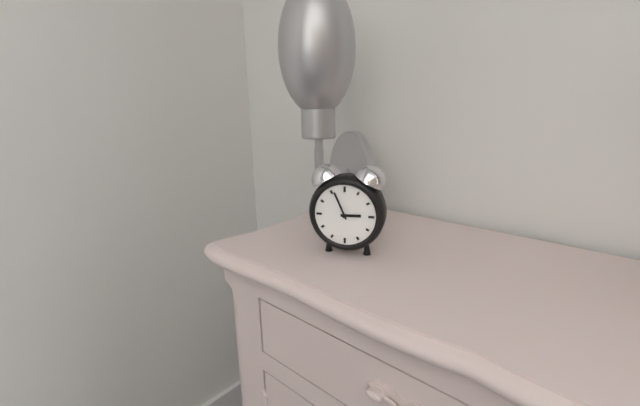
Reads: 2:56
